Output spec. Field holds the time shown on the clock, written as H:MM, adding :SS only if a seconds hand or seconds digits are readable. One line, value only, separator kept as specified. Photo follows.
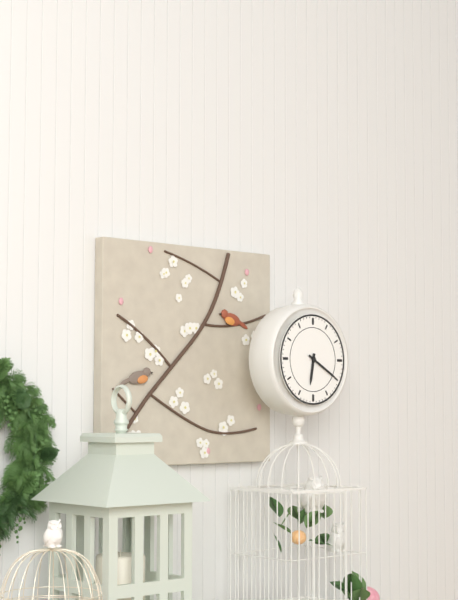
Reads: 6:20
